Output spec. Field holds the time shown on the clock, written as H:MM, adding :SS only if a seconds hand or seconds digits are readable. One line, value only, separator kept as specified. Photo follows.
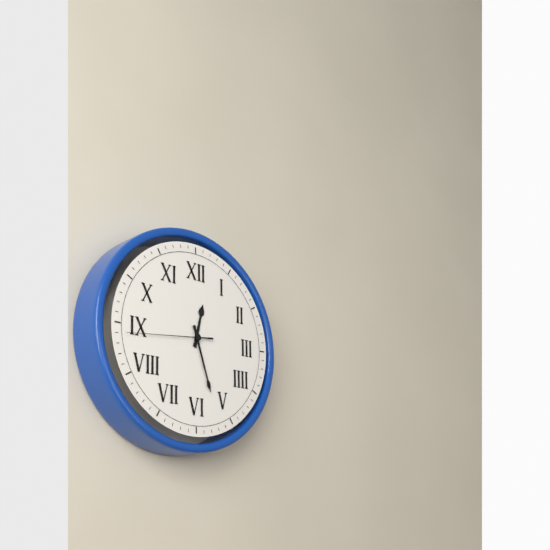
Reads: 12:27:44
